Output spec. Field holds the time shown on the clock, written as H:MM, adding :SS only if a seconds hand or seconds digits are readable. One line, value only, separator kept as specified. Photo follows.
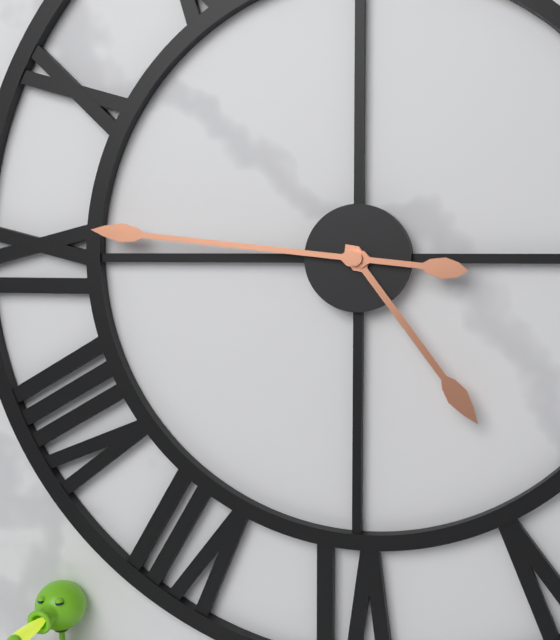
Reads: 4:46
